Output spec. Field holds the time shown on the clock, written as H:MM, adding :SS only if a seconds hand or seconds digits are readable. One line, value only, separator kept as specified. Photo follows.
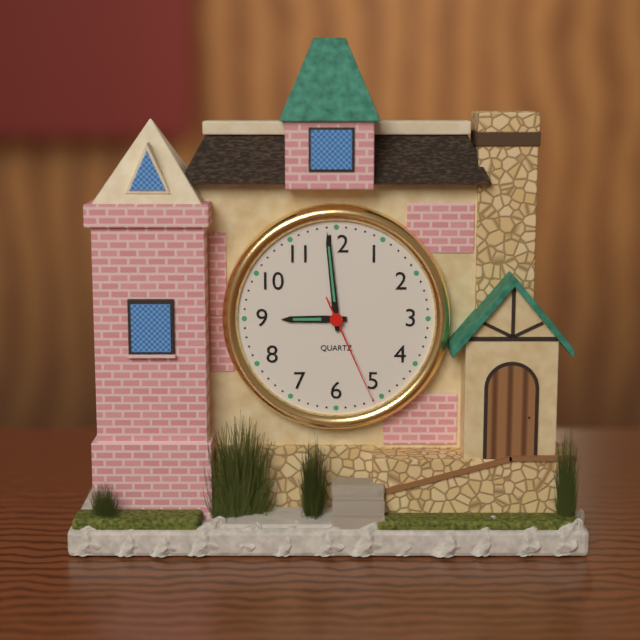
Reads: 8:59:26
